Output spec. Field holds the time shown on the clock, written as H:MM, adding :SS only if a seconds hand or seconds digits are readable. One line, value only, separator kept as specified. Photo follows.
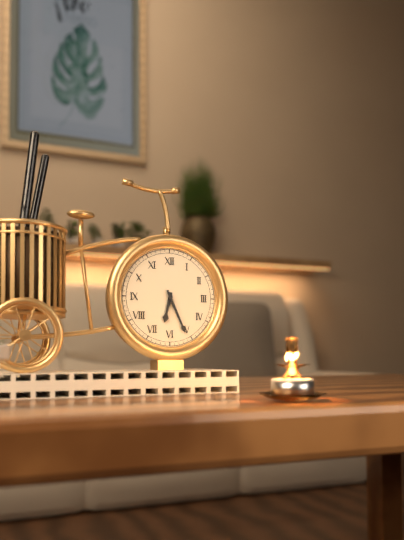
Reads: 6:26
